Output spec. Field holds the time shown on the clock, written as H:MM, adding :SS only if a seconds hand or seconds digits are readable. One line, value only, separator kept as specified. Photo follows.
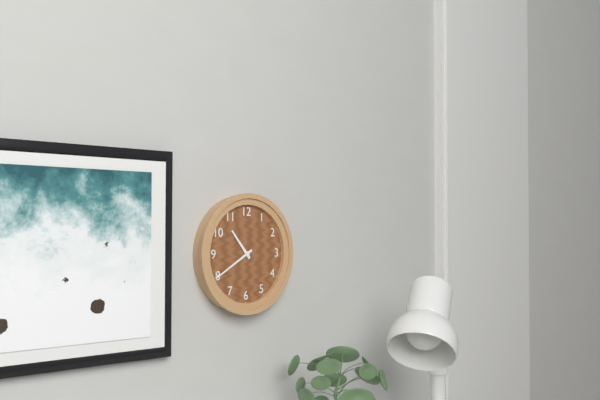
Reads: 10:40
